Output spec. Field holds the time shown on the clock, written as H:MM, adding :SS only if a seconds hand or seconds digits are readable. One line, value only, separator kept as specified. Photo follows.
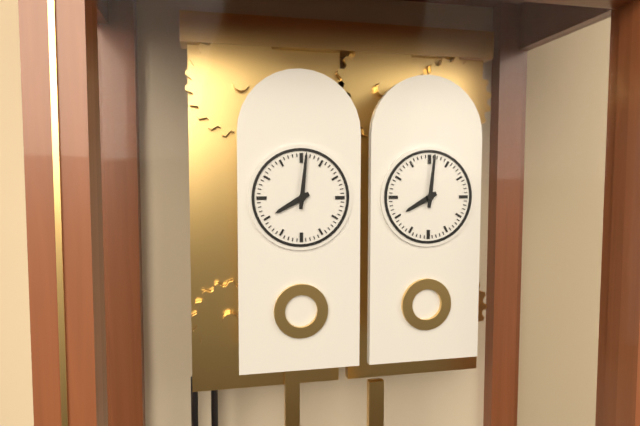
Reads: 8:01
